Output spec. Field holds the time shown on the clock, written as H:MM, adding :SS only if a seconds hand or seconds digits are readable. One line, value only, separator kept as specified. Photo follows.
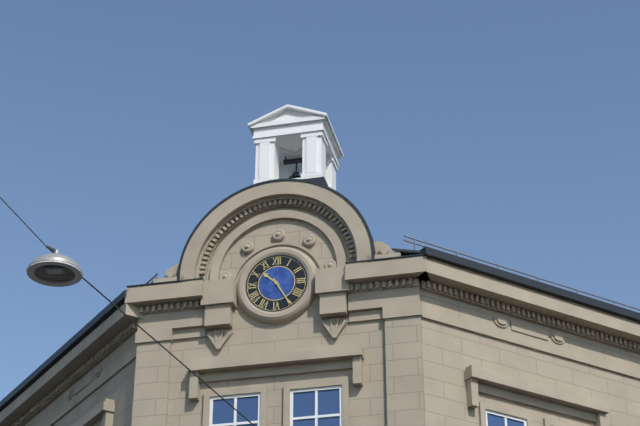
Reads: 10:25
